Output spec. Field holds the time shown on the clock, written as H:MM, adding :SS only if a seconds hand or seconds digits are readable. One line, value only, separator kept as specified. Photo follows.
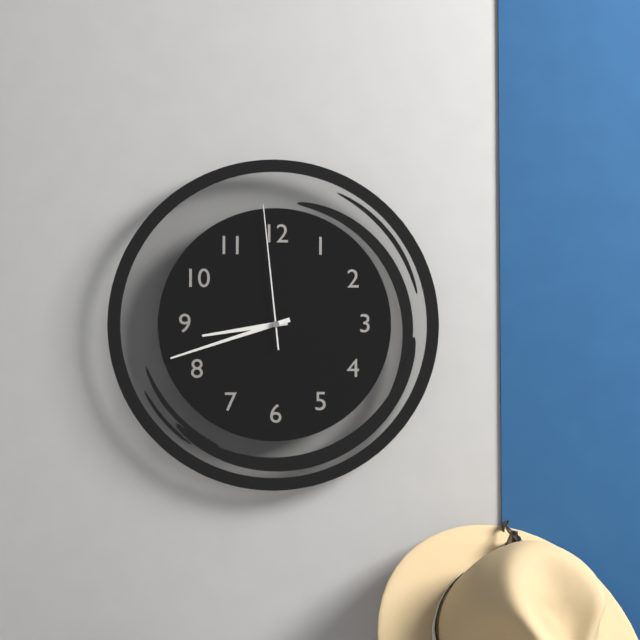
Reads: 8:42:59
